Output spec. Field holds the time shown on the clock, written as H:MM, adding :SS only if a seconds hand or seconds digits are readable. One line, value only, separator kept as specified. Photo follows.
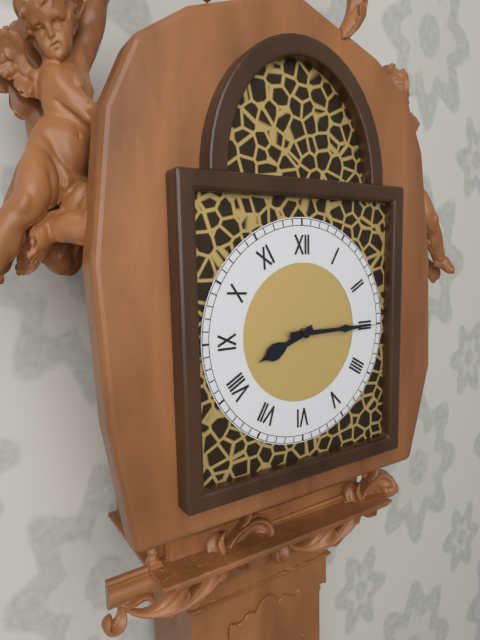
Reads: 8:15
